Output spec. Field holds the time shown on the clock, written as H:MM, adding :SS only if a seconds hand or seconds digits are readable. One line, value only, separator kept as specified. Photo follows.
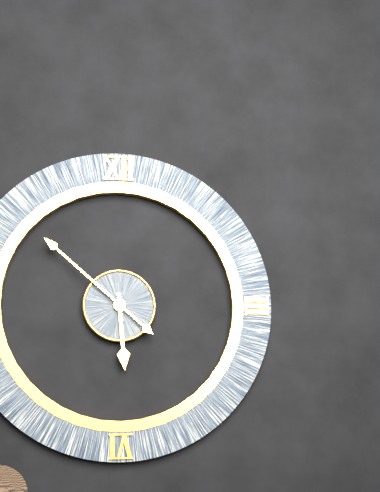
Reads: 5:52
